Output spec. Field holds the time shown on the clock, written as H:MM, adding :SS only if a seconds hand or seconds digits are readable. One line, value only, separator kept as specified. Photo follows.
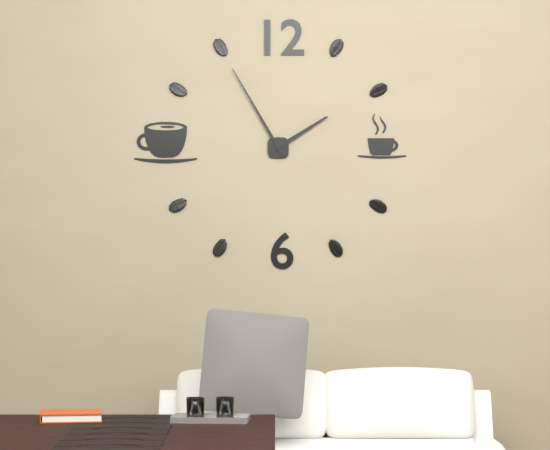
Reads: 1:55
